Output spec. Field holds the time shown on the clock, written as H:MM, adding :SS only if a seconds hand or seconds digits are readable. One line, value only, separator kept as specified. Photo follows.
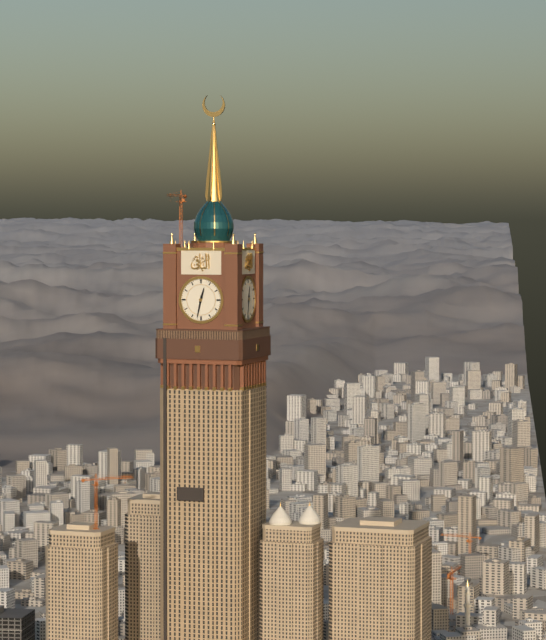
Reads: 12:32
